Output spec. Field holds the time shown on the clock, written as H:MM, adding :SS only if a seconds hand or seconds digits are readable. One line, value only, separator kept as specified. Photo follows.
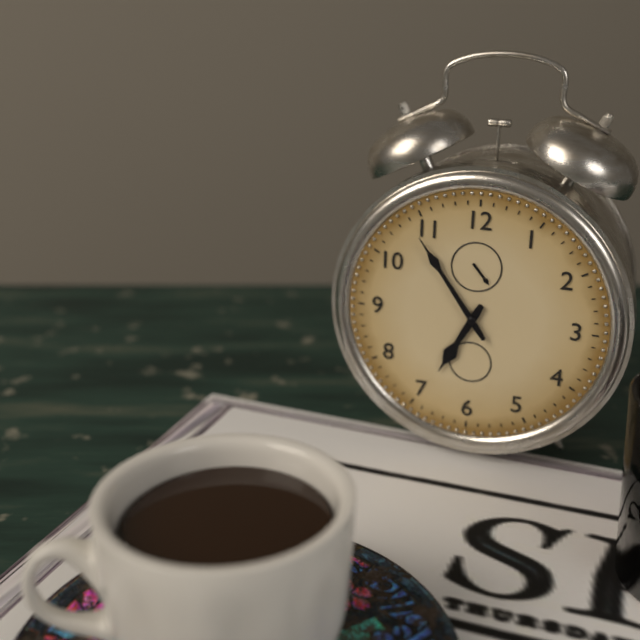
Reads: 6:54
